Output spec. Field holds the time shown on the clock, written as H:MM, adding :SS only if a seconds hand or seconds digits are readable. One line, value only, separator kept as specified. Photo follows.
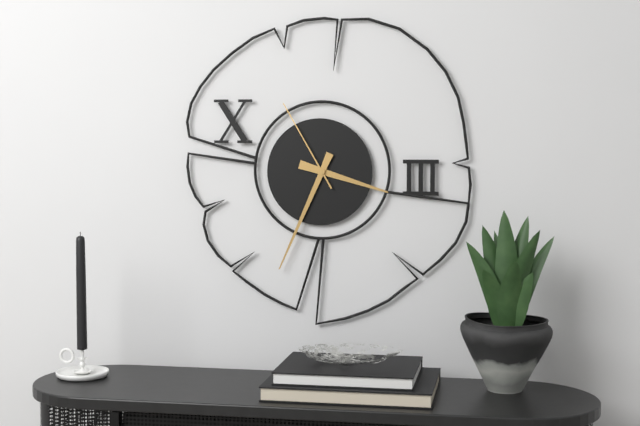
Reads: 3:34:55
